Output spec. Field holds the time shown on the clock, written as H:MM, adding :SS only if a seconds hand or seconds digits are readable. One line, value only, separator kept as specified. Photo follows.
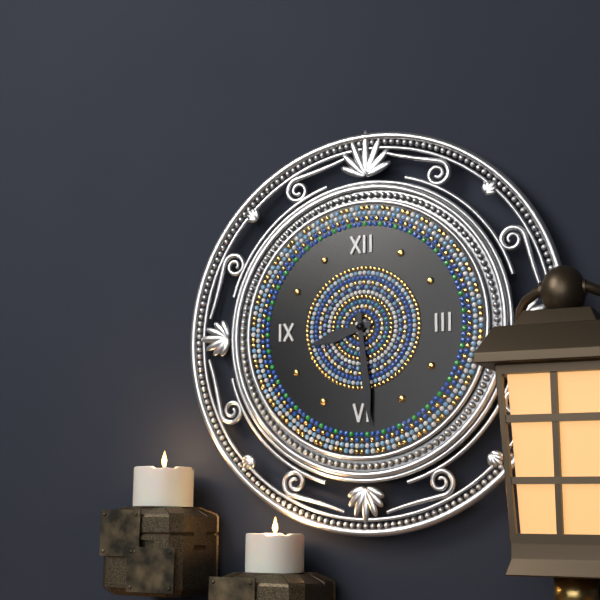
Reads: 8:29
